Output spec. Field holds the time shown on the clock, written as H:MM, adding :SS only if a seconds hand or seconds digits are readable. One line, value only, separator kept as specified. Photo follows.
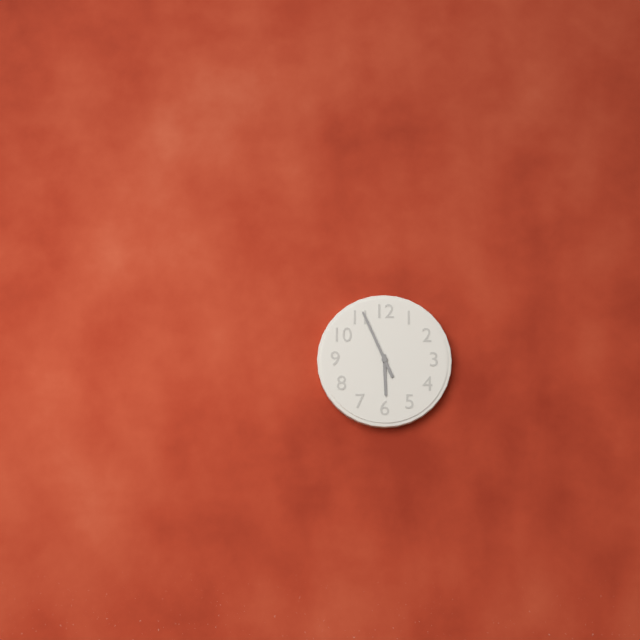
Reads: 5:56
